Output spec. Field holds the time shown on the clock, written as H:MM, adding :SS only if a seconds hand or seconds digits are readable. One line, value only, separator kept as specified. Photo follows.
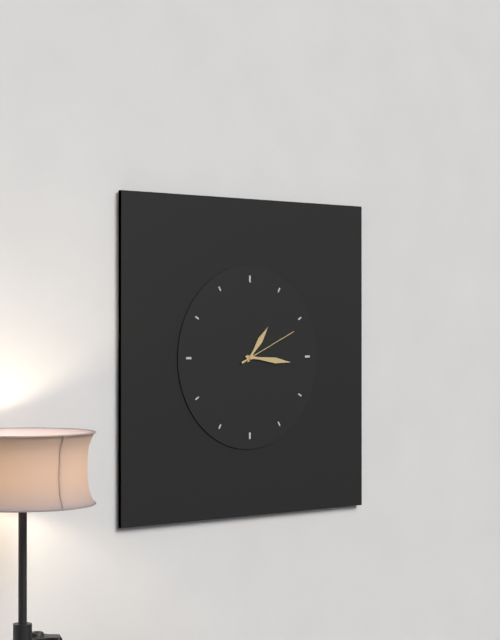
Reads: 1:16:11
